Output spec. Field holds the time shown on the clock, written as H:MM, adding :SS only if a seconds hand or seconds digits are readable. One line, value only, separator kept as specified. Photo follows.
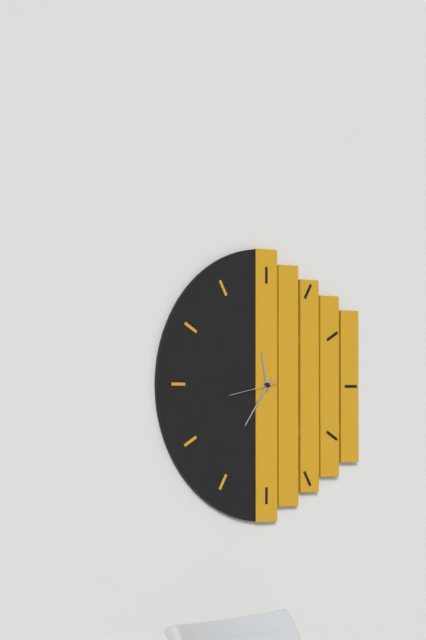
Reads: 11:36
